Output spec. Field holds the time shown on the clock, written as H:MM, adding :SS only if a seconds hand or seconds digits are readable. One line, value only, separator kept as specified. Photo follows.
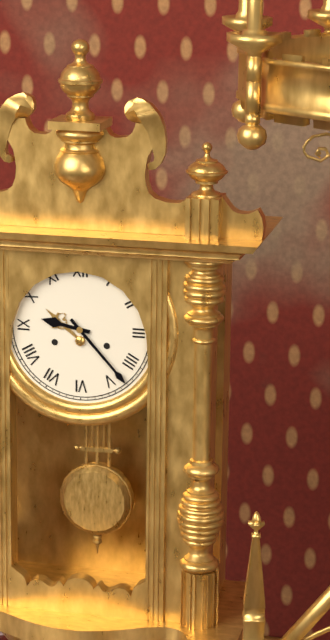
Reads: 9:23
